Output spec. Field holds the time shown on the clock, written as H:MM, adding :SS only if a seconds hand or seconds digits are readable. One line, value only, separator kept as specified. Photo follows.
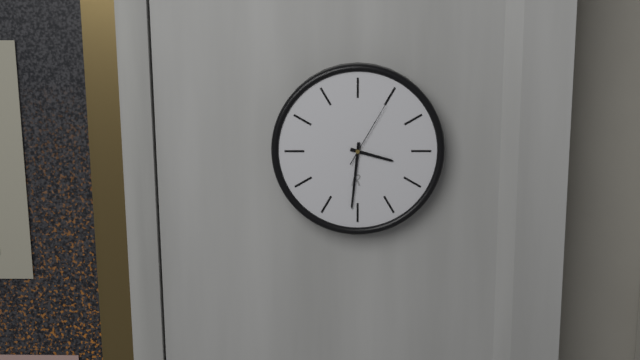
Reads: 3:31:05
